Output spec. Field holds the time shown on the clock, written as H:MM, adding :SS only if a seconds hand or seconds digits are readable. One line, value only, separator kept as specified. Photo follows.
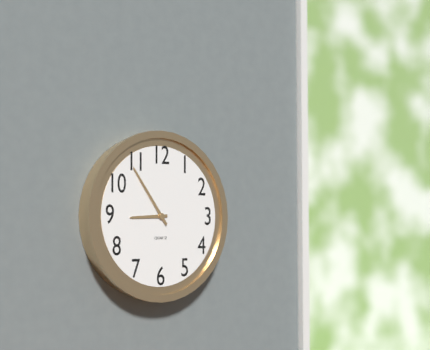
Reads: 8:54
